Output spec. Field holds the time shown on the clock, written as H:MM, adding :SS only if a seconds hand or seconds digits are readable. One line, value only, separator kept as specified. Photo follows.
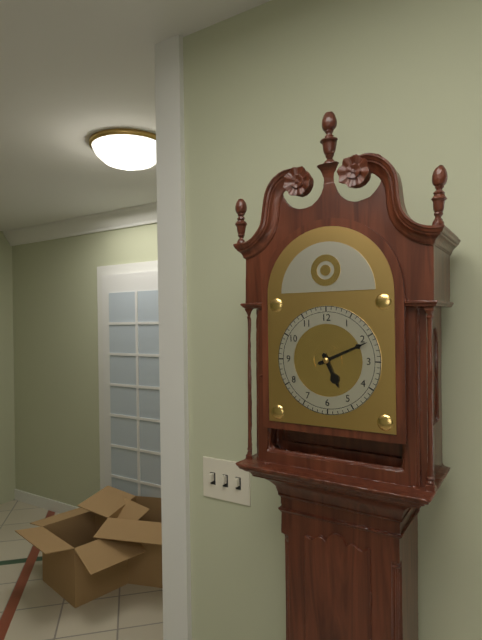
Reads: 5:11
